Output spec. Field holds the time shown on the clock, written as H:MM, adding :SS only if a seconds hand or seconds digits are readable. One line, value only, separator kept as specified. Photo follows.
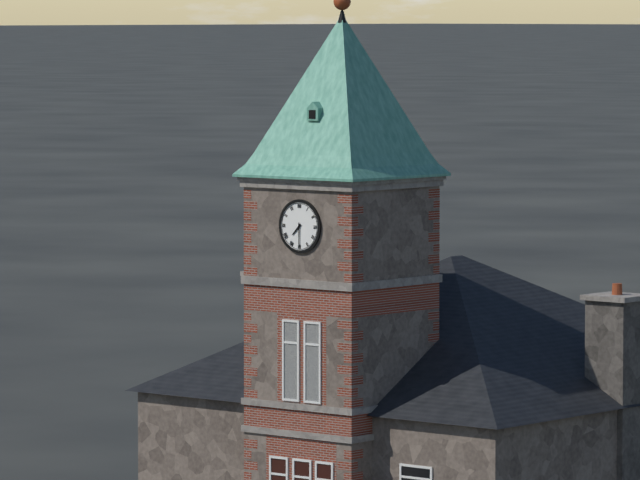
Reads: 7:30
